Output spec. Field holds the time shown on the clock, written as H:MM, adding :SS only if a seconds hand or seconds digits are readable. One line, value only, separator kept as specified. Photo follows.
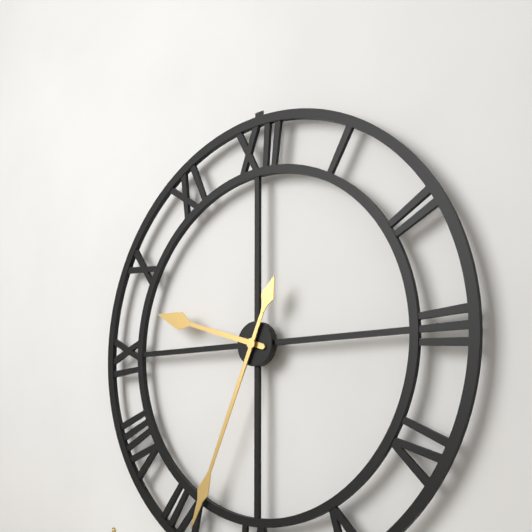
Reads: 9:34
